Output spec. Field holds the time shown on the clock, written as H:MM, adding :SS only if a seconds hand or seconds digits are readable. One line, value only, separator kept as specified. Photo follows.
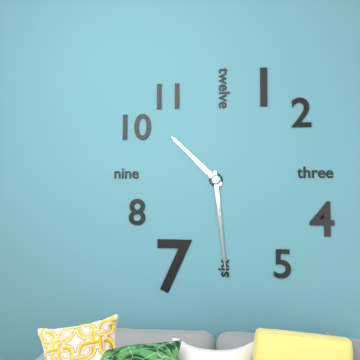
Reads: 10:29
